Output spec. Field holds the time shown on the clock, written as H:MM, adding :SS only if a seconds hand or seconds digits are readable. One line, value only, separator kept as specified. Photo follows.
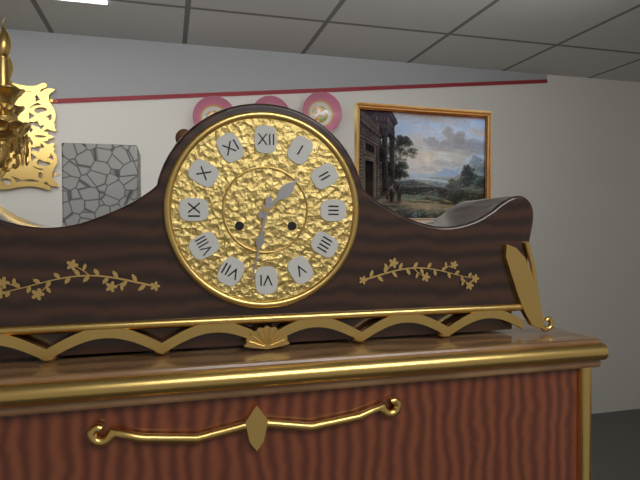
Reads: 1:32
